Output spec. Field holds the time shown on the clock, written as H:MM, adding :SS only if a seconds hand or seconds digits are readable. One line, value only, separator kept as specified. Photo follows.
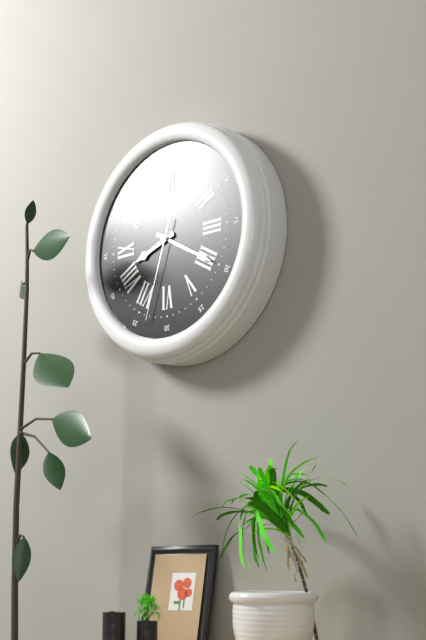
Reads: 8:20:33
